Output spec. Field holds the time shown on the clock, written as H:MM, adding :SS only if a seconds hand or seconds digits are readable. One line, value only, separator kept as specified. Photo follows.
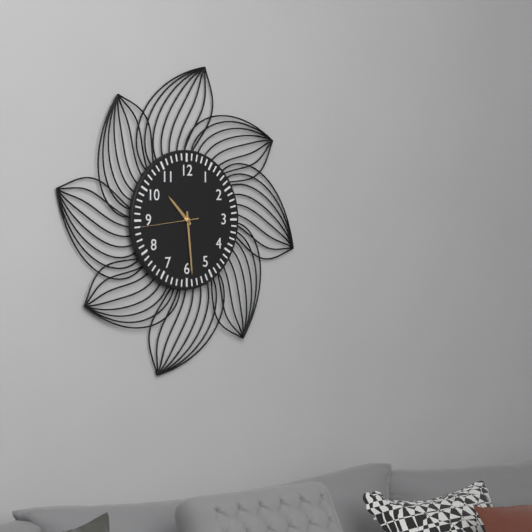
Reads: 10:29:44
